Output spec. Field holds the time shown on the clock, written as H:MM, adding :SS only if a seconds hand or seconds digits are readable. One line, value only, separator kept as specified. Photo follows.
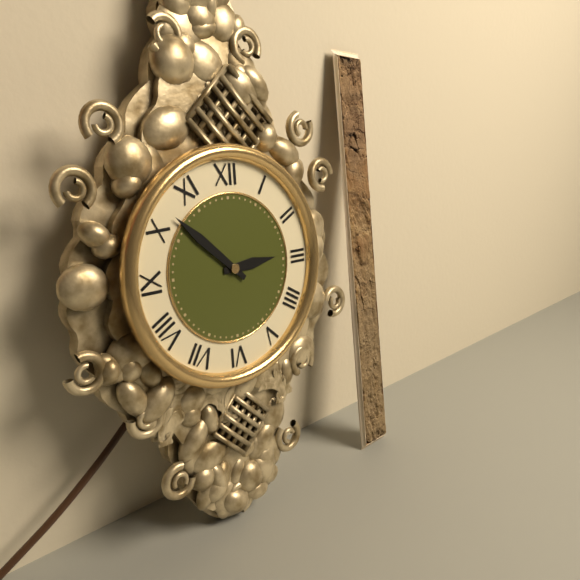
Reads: 2:52
